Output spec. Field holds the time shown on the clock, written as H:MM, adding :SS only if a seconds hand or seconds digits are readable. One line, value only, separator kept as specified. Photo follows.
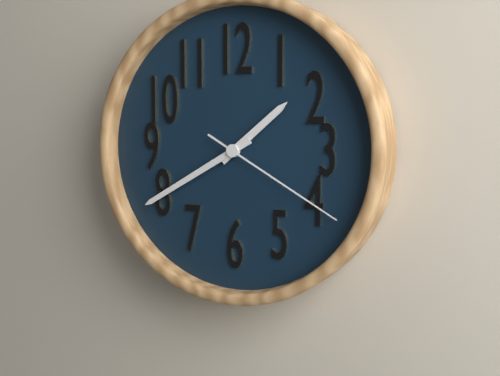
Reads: 1:40:20
